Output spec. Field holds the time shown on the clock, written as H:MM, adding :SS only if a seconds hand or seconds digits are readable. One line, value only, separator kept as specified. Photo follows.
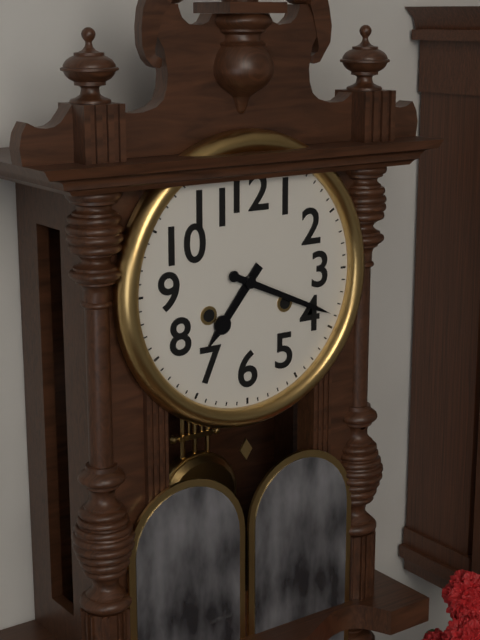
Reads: 7:19
